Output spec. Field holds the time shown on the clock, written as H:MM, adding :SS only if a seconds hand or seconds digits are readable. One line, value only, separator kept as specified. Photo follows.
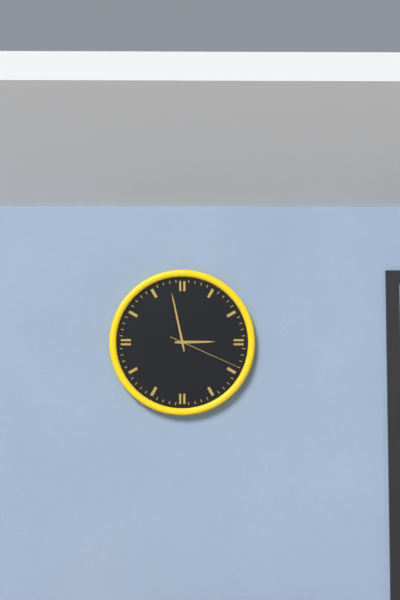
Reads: 2:58:19
